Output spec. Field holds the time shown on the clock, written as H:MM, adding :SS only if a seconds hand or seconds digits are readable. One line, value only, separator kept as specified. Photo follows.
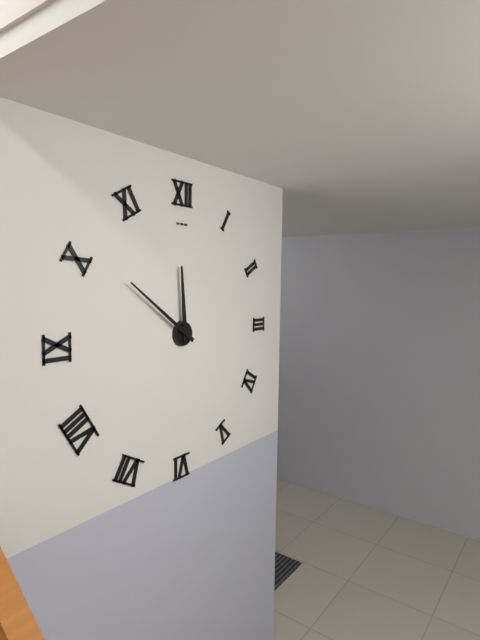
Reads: 11:51
